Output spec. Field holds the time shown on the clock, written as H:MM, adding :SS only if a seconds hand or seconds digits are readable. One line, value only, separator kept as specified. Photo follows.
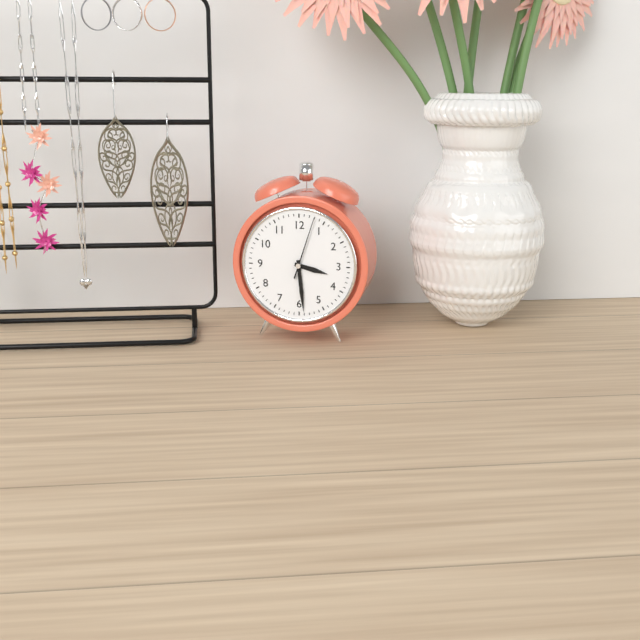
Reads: 3:29:03
